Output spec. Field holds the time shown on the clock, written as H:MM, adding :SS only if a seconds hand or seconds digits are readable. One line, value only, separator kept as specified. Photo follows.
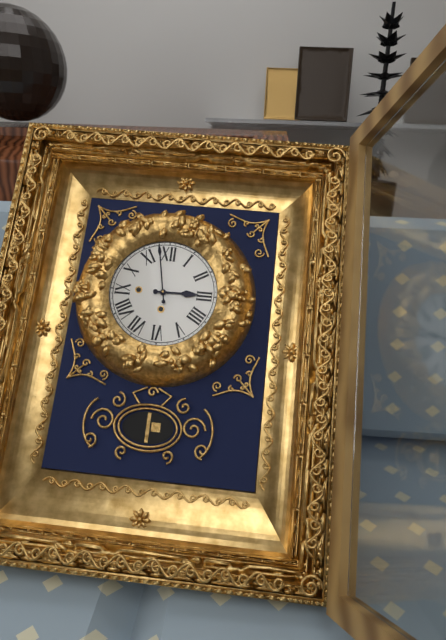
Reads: 2:58
